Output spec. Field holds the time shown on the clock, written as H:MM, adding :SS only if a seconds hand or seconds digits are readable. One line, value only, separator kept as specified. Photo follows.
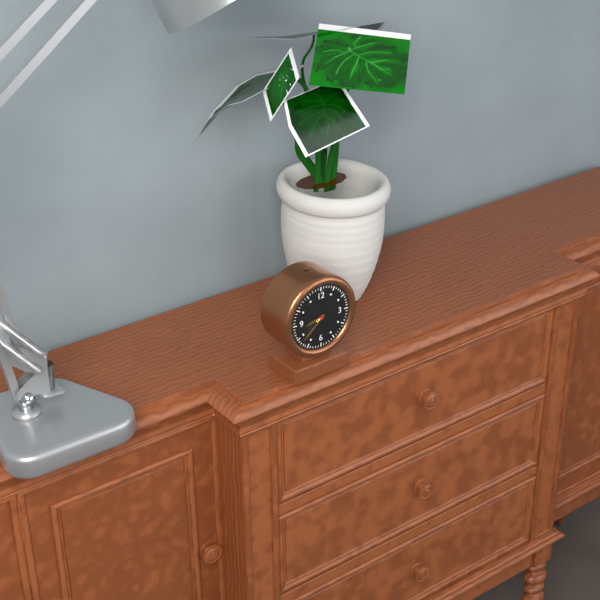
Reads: 8:38
